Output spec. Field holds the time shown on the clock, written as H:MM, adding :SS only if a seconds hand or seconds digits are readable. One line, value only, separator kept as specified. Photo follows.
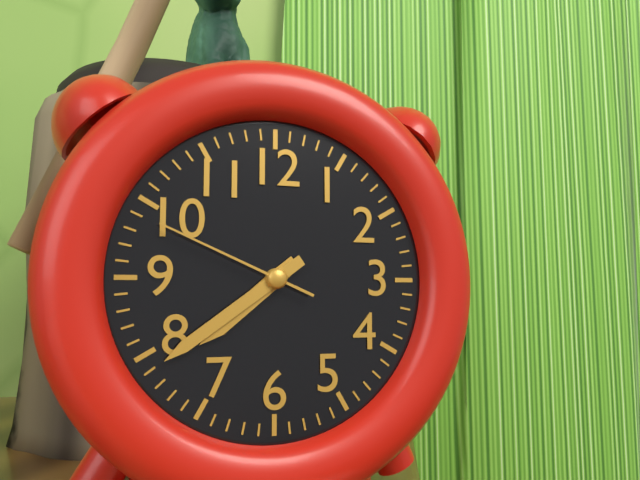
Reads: 7:39:49
